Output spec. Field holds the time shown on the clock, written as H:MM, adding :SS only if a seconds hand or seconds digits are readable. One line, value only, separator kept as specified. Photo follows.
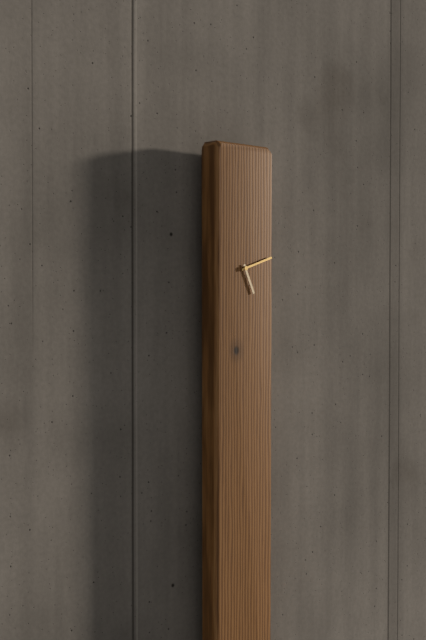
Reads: 5:12
